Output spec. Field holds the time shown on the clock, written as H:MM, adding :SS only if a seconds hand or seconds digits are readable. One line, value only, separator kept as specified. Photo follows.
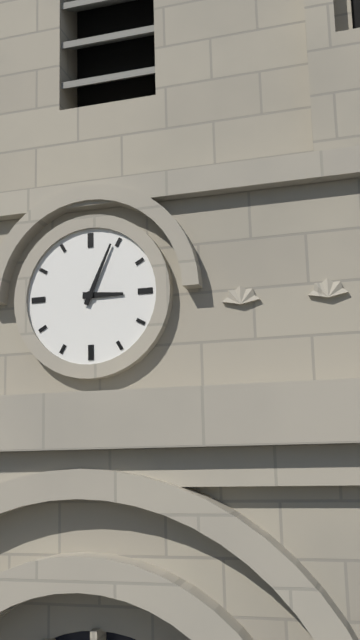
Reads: 3:04
